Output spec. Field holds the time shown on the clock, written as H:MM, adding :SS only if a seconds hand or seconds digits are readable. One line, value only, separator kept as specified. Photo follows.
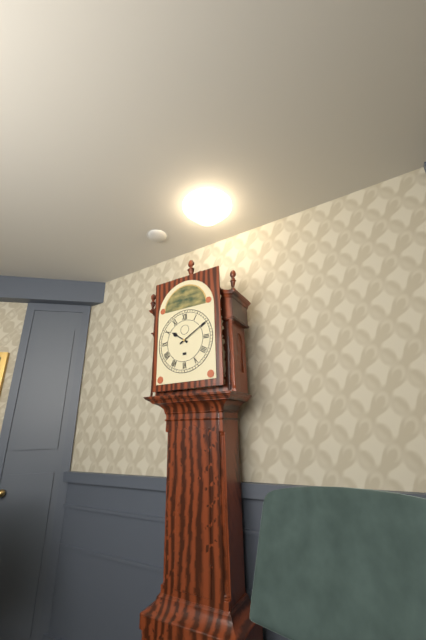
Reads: 10:10
